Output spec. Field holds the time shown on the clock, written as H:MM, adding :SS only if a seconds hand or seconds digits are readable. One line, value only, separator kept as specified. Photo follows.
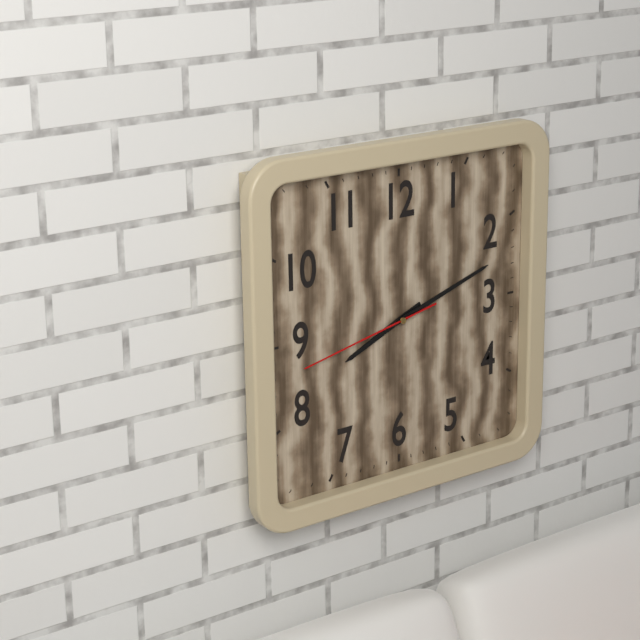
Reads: 8:12:43
